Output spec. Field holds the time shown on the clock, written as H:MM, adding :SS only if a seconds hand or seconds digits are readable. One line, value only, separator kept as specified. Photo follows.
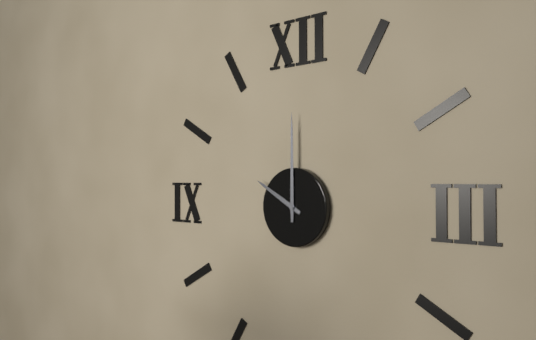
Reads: 10:00
